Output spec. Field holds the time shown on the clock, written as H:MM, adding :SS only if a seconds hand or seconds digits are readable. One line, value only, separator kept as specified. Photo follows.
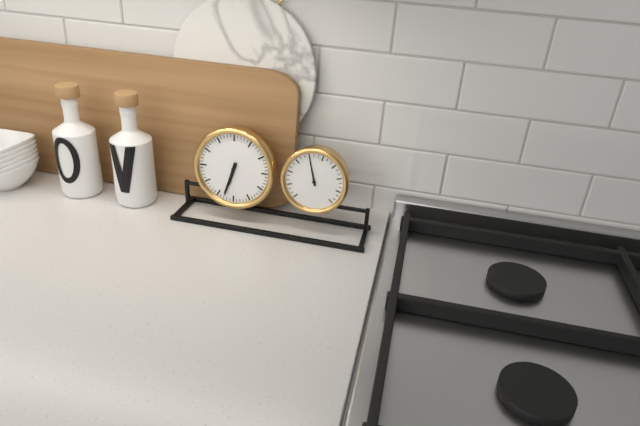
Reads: 6:33
